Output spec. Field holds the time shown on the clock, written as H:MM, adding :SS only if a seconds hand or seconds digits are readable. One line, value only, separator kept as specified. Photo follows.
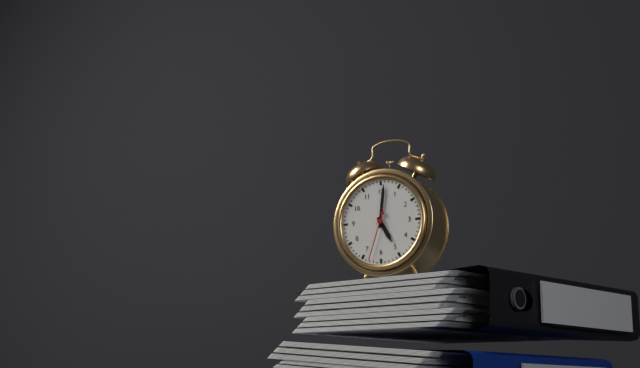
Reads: 5:01:33
